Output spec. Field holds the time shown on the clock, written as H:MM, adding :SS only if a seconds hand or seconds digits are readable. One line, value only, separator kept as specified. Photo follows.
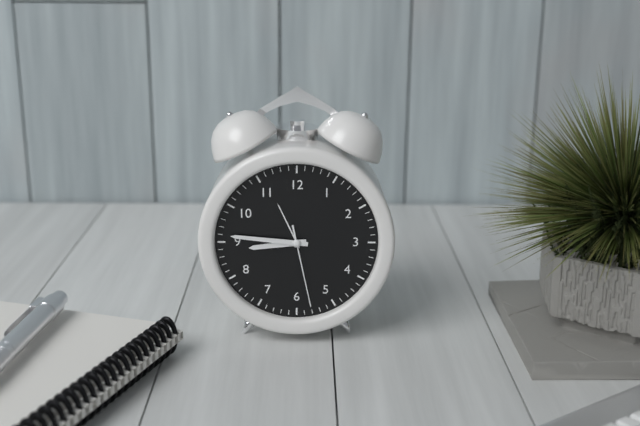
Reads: 8:46:28
